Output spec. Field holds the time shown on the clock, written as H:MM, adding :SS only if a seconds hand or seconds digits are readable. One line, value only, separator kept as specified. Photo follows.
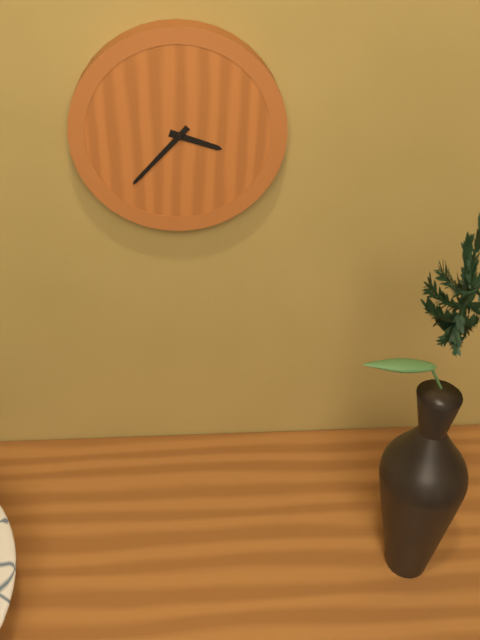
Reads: 3:37
